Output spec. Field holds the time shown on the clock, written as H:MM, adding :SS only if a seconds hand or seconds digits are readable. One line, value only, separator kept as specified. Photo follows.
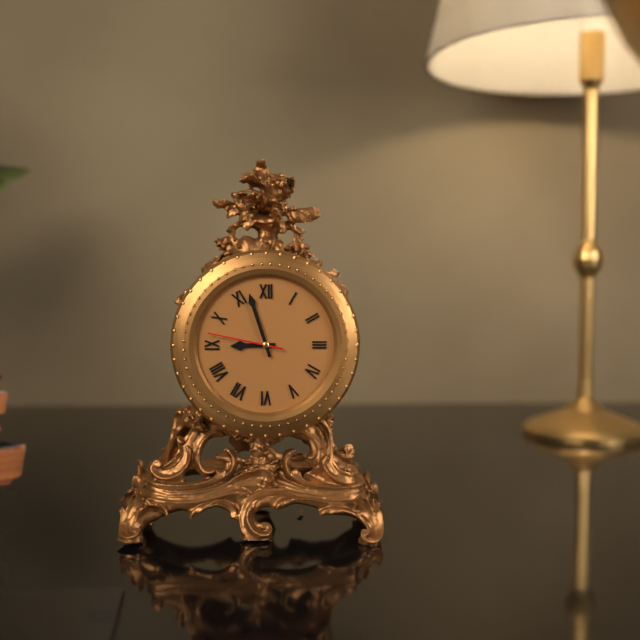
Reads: 8:57:47
